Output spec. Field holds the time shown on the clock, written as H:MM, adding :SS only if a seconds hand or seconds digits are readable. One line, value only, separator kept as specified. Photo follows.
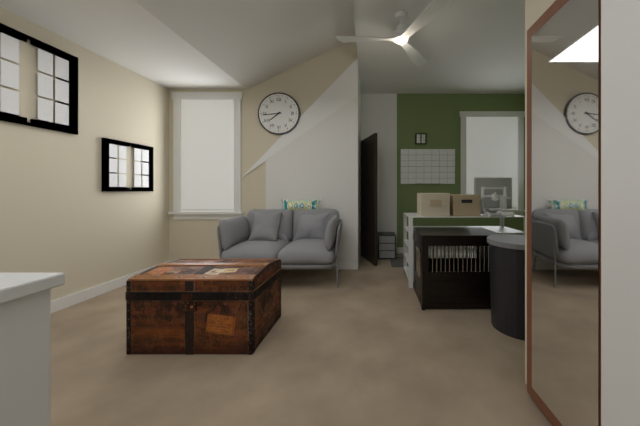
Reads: 7:44
